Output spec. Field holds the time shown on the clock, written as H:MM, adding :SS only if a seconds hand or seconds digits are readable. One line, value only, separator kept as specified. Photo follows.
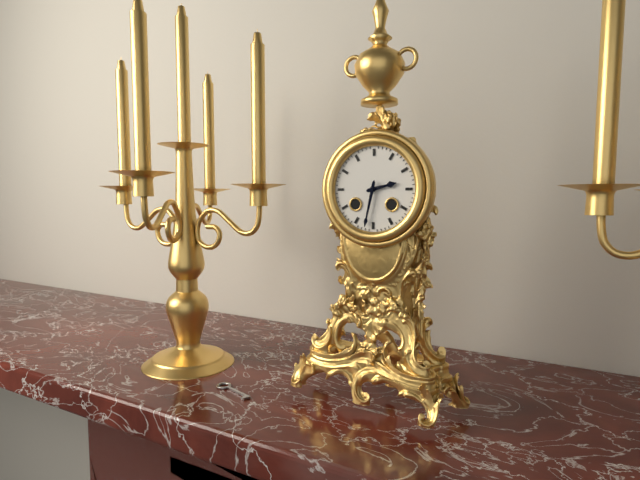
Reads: 2:32
